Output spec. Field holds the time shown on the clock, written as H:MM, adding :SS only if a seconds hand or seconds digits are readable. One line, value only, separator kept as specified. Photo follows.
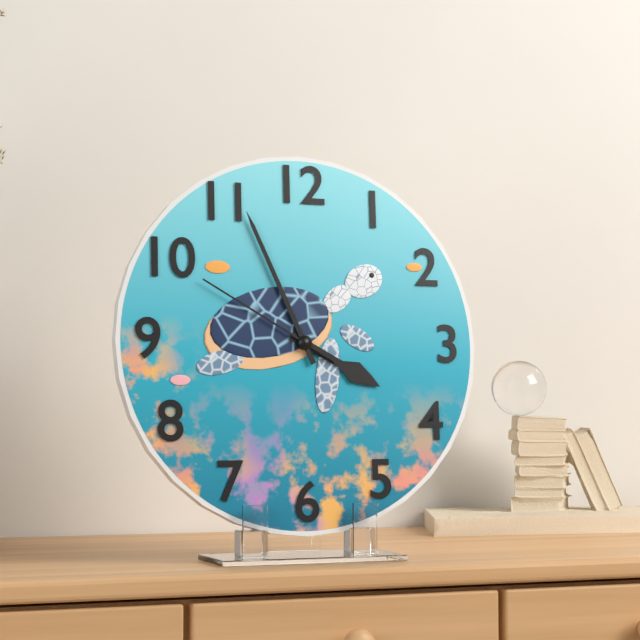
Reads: 3:56:50
